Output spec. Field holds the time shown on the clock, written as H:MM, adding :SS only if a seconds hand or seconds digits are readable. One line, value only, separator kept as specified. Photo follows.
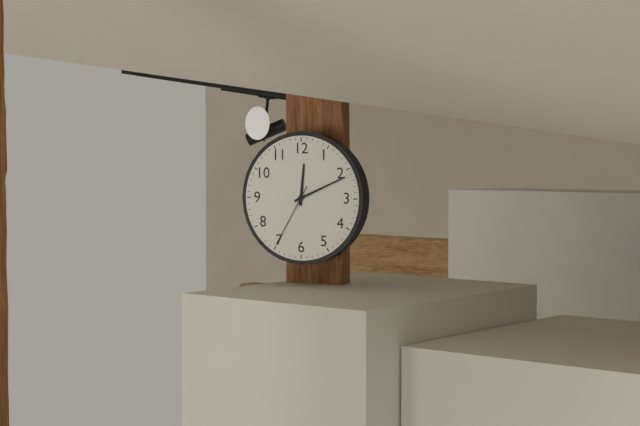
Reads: 12:11:35
